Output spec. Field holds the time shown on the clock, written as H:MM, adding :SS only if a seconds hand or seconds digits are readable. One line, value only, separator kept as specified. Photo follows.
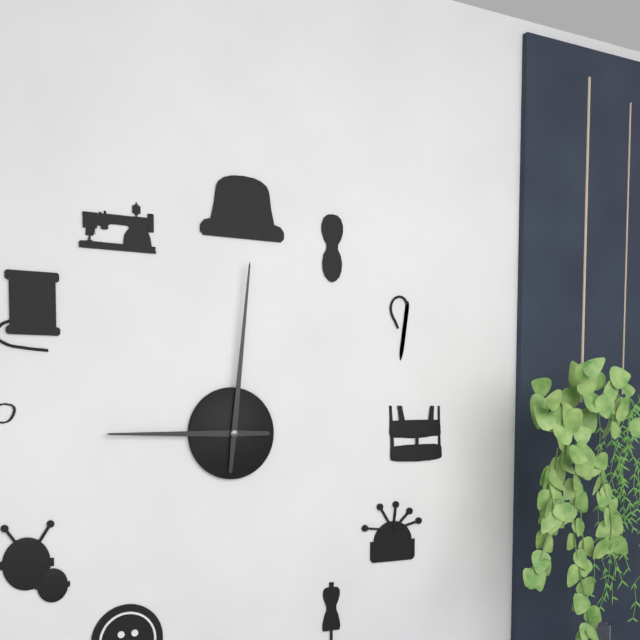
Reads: 9:01
